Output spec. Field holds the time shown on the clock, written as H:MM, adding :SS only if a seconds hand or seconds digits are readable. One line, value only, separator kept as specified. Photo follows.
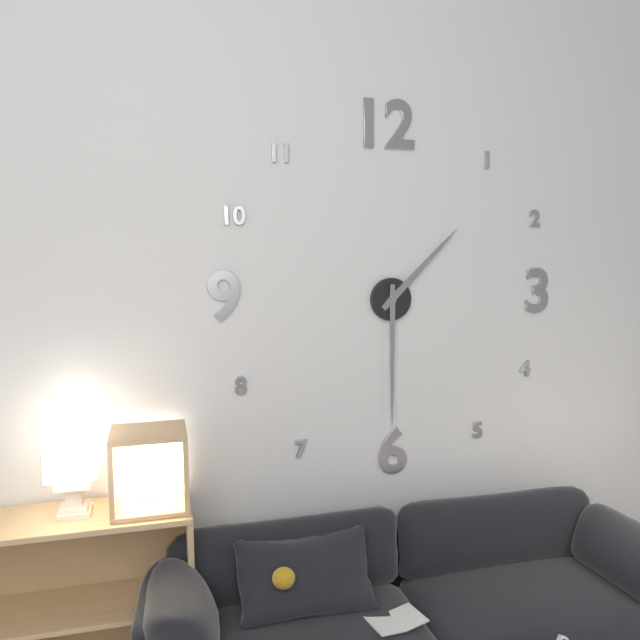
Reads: 1:30
